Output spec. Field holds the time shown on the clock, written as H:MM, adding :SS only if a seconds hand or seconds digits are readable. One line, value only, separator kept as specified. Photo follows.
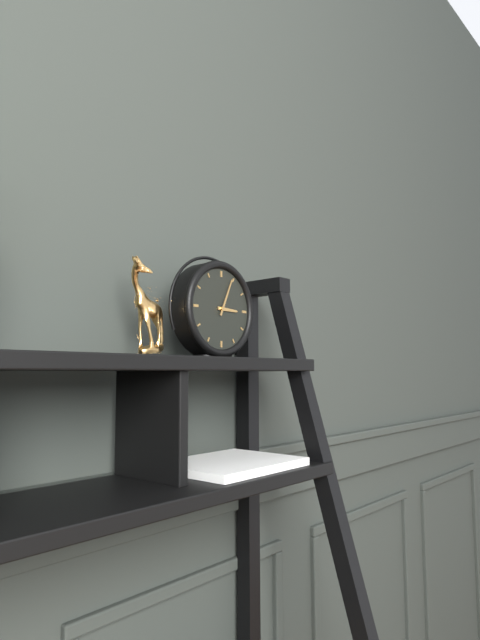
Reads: 3:04
